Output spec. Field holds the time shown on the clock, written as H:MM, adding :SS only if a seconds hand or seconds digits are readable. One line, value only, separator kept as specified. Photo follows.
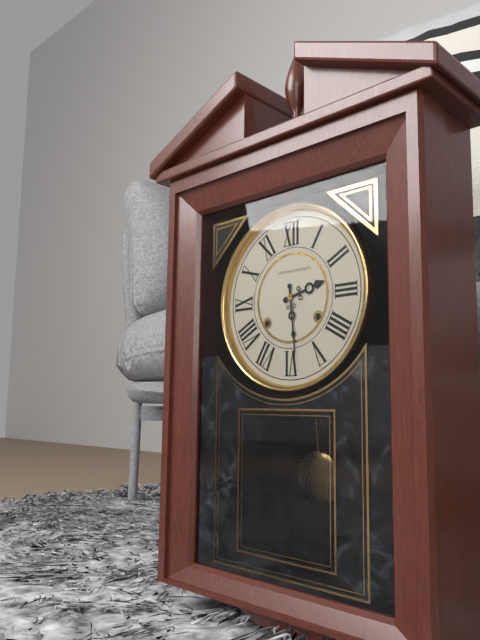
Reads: 2:29
